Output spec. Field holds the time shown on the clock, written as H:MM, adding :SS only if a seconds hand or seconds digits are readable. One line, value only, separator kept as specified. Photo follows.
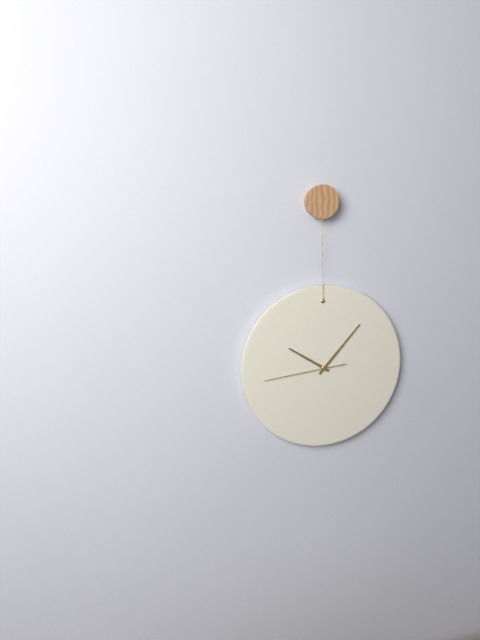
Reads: 10:07:44
